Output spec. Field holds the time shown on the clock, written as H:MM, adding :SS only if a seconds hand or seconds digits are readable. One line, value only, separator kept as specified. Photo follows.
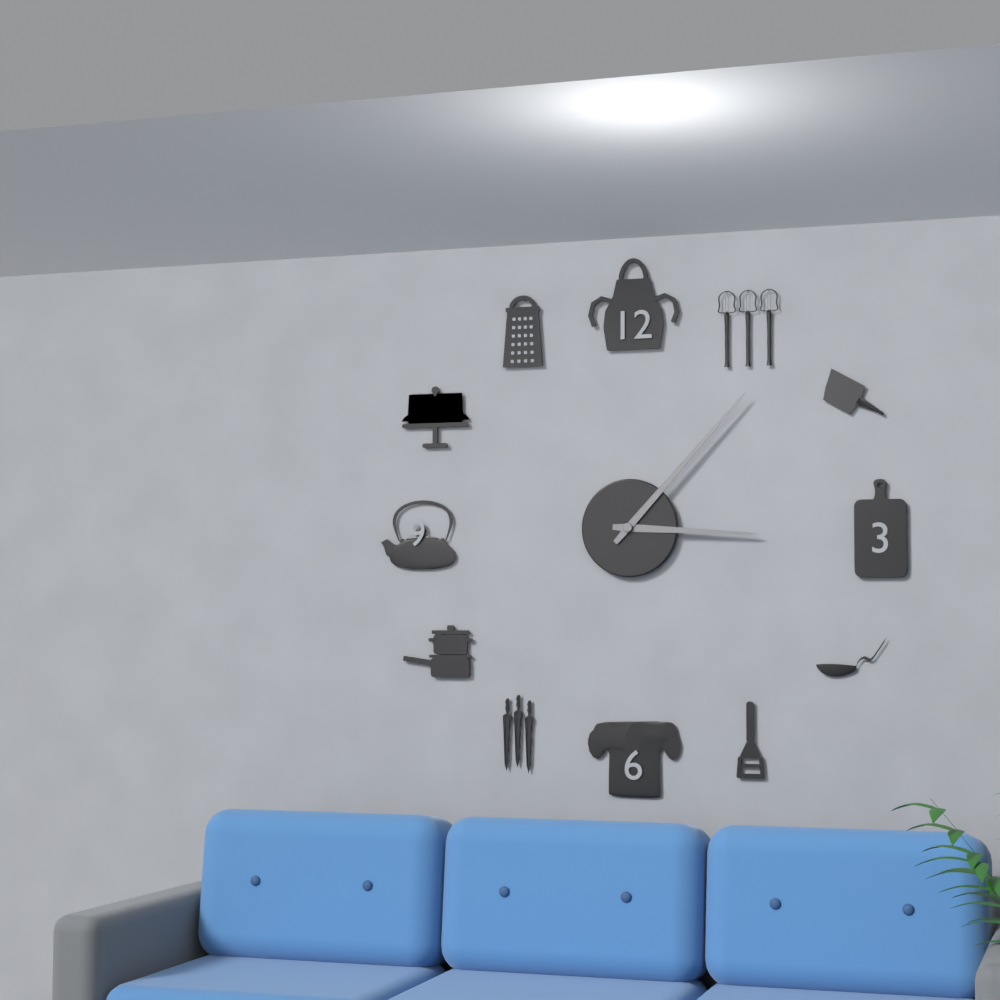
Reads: 3:07
